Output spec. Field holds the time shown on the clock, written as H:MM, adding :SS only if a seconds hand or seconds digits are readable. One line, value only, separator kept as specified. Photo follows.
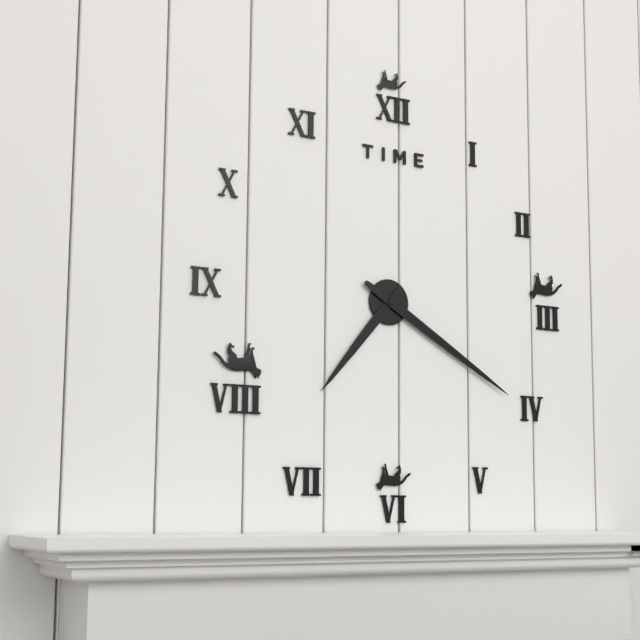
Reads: 7:20
